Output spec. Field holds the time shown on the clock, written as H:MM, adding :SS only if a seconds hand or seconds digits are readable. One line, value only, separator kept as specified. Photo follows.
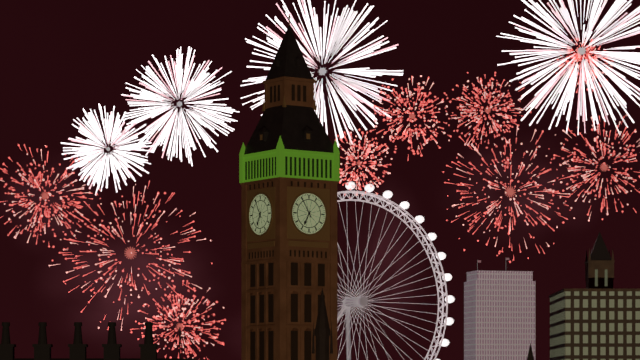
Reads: 6:55
